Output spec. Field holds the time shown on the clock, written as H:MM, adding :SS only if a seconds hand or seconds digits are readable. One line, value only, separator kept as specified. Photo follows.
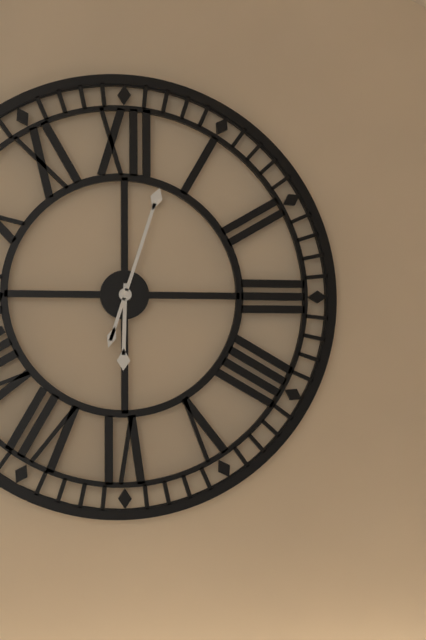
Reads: 6:03
